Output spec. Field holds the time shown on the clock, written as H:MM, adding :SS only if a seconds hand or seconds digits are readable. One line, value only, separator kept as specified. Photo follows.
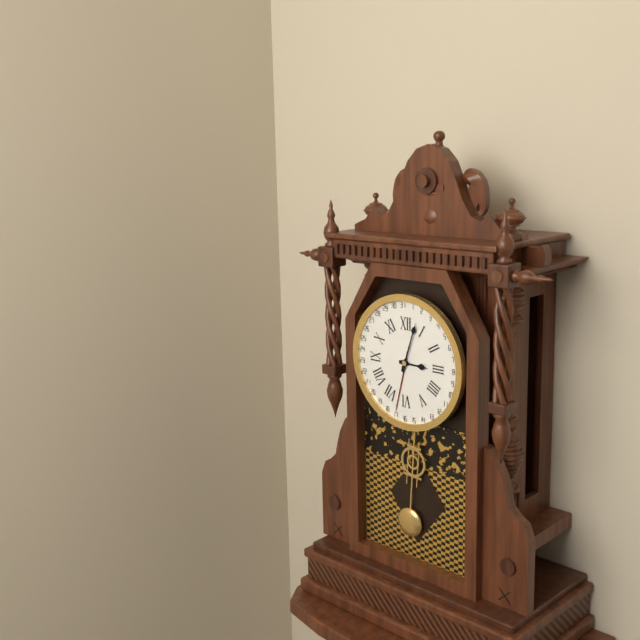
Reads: 3:03
